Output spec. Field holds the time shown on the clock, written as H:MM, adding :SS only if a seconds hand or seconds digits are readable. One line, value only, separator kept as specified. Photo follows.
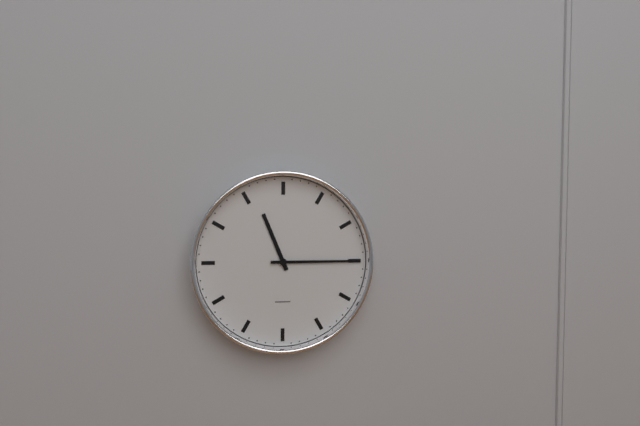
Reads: 11:15
